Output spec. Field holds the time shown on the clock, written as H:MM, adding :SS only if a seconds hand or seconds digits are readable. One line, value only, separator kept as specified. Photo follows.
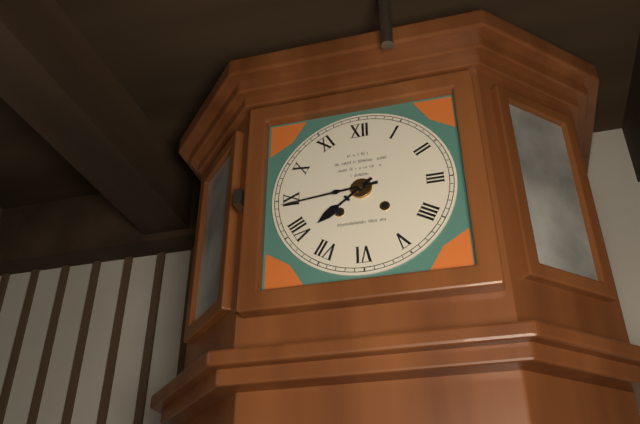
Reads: 7:44
